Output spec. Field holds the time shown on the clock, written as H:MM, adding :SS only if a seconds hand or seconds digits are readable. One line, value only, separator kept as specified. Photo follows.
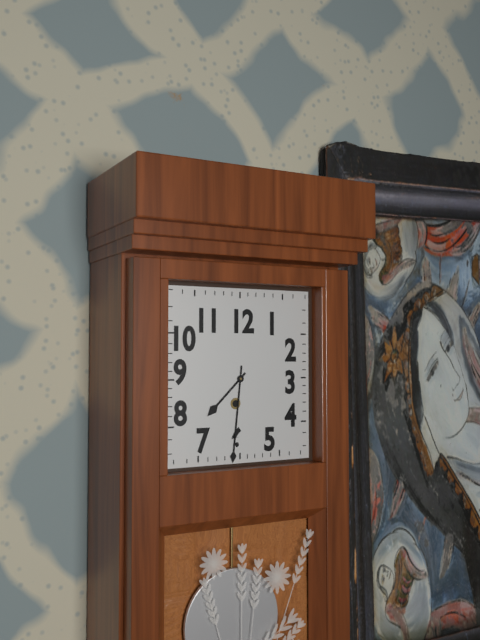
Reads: 7:31
